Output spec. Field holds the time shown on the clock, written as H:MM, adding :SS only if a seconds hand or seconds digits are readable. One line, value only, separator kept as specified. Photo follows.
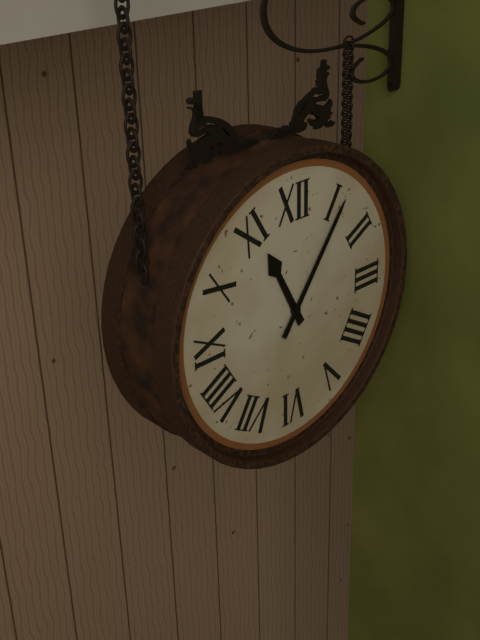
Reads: 11:06
